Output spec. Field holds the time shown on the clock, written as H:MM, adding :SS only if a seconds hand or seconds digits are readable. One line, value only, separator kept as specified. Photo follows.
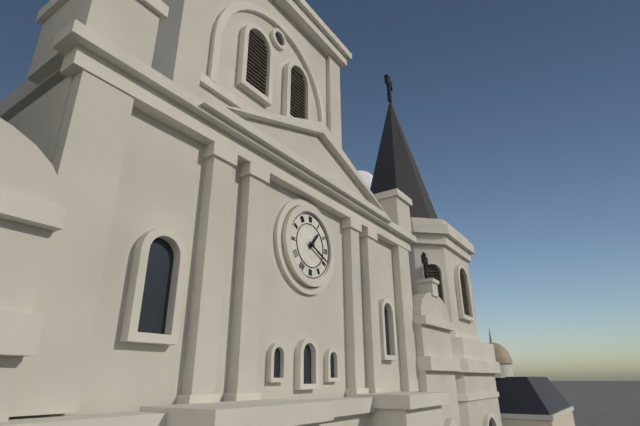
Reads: 1:19
